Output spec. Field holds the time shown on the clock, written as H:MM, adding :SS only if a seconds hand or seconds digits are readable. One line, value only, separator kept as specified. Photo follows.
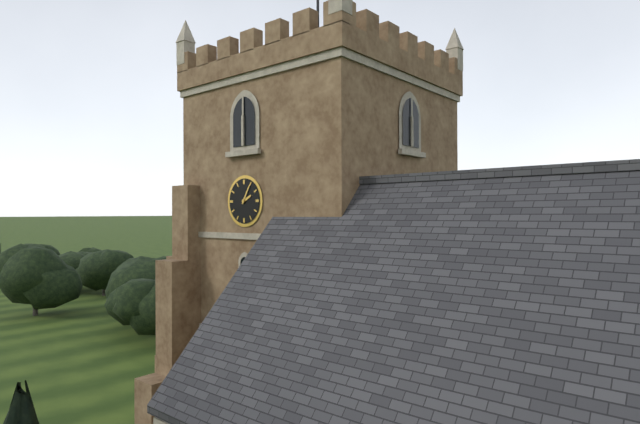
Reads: 2:05
